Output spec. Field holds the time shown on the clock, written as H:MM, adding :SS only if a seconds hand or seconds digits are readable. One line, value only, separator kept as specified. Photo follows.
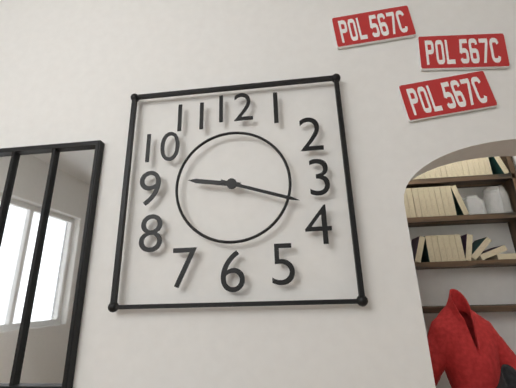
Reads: 9:18
